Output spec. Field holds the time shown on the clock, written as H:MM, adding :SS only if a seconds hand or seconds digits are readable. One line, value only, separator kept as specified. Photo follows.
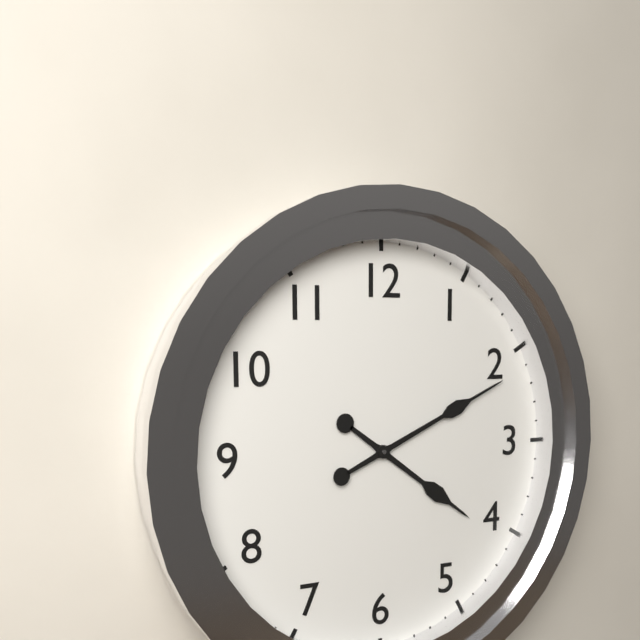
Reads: 4:11
